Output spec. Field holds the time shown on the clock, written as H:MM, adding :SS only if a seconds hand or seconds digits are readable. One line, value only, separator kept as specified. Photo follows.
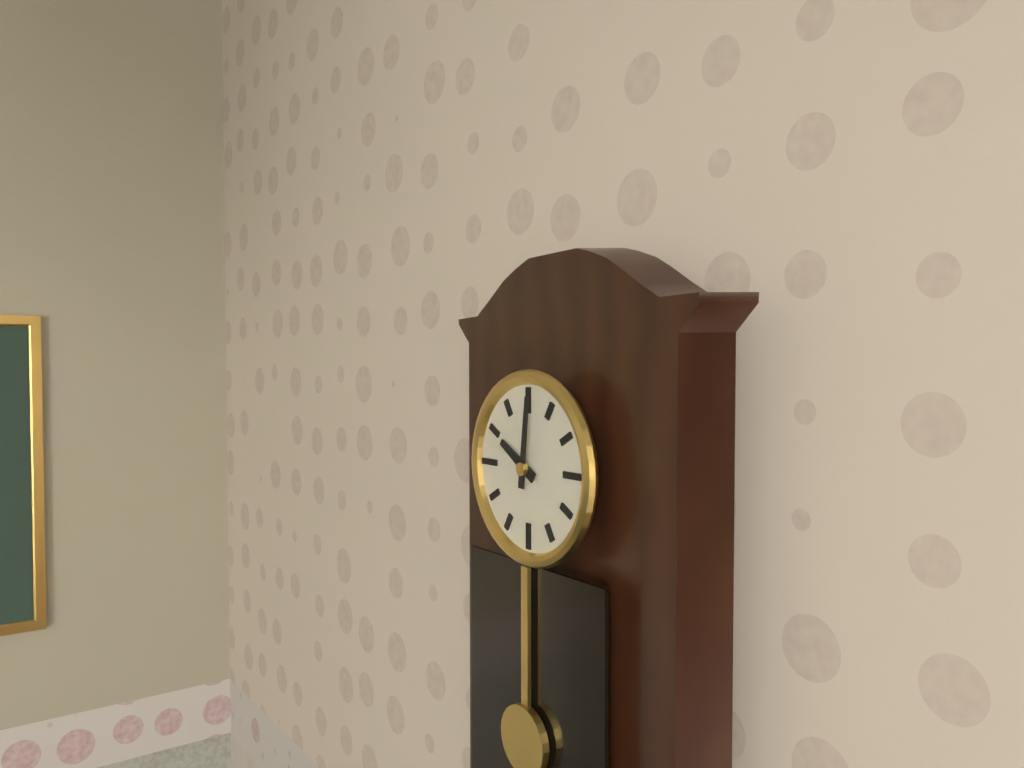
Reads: 10:01
